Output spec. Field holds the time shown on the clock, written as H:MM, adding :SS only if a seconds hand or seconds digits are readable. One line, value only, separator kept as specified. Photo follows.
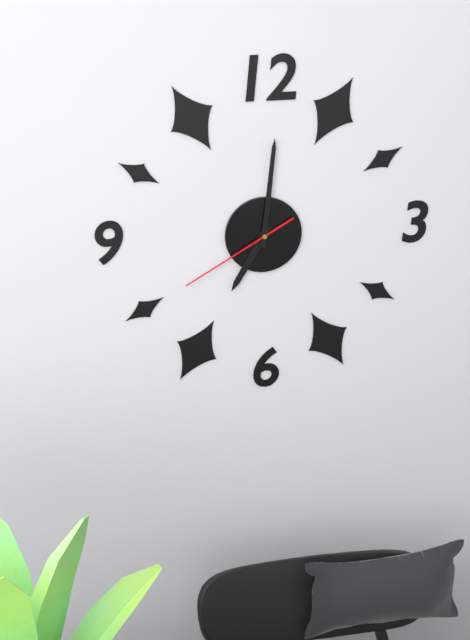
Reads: 7:01:40
